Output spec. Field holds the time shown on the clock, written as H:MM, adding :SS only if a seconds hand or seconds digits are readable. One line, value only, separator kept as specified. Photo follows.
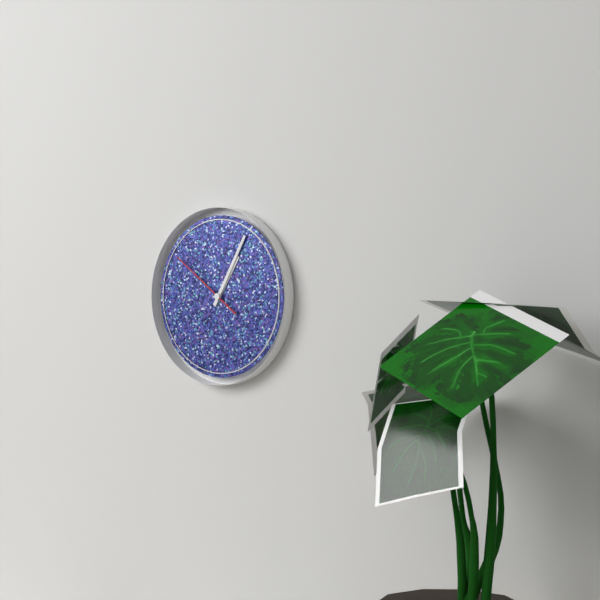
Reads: 1:05:51
